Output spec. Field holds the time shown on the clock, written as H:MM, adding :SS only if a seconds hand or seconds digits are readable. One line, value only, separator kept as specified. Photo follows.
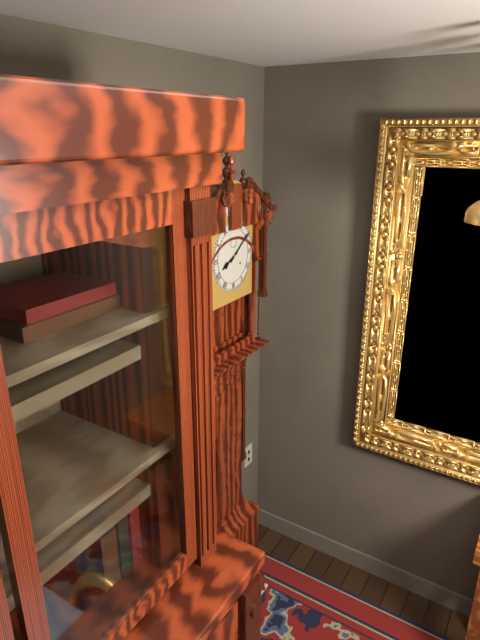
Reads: 8:09
